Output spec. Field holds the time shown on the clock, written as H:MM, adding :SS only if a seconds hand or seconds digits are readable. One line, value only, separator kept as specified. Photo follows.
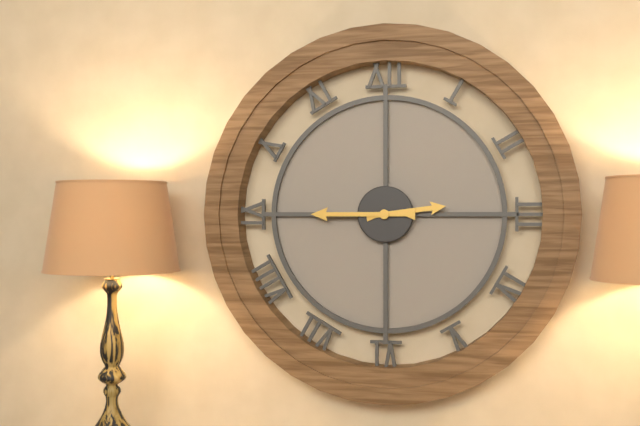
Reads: 2:45
